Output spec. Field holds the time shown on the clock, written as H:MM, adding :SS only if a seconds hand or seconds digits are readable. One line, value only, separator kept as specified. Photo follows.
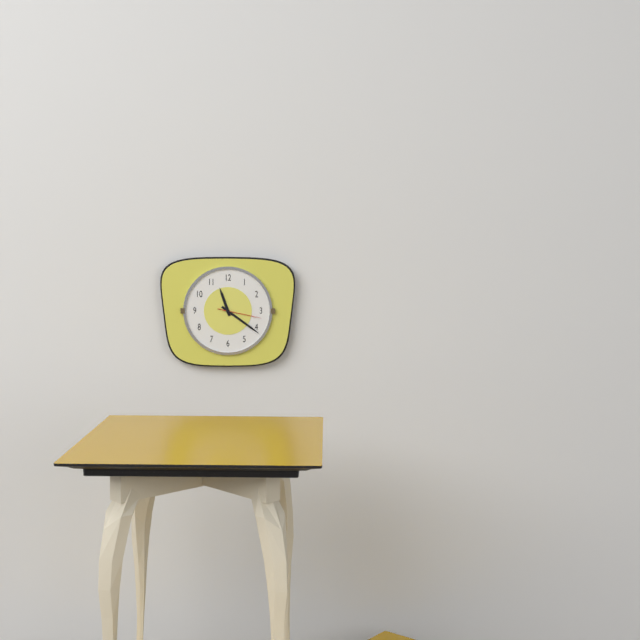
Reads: 11:21
